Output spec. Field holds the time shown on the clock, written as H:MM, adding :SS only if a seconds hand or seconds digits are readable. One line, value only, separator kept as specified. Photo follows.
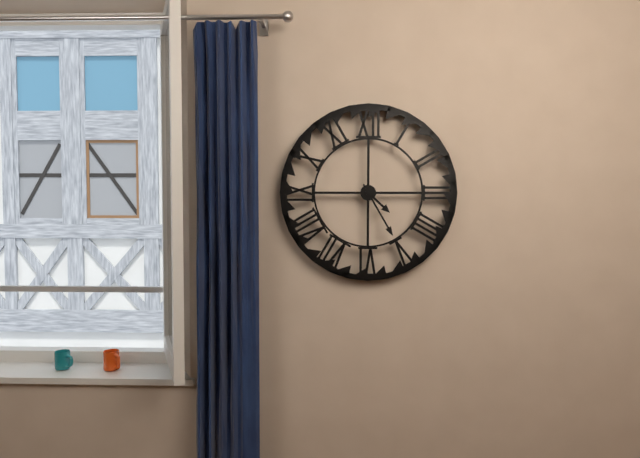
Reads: 4:25
